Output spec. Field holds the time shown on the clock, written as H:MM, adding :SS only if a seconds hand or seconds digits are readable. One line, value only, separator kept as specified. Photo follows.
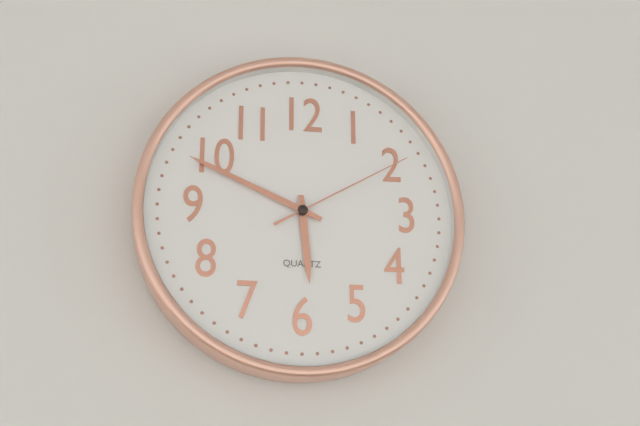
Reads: 5:49:10
